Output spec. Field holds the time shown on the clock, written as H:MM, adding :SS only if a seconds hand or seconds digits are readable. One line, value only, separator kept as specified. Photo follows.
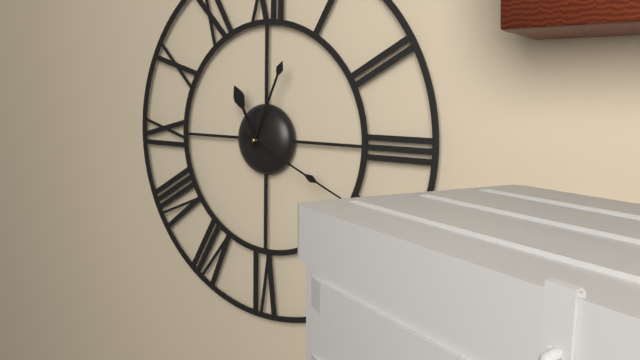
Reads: 11:04:19
